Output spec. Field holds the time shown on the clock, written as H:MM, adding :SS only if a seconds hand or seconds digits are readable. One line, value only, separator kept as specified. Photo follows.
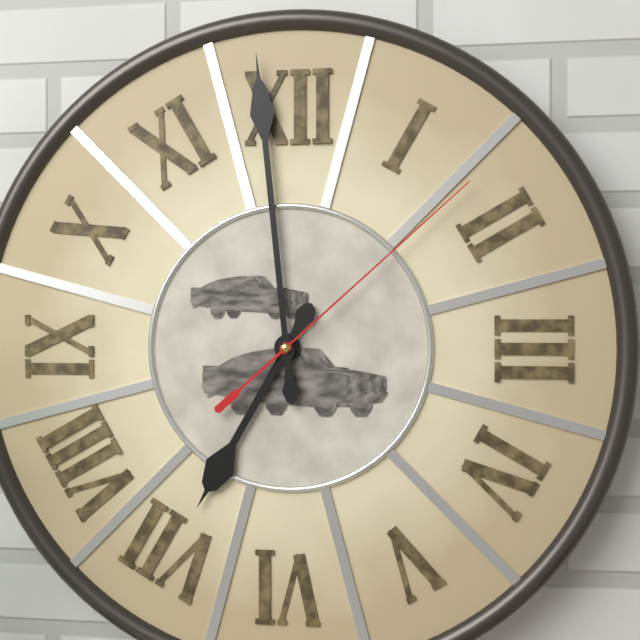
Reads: 6:59:08
